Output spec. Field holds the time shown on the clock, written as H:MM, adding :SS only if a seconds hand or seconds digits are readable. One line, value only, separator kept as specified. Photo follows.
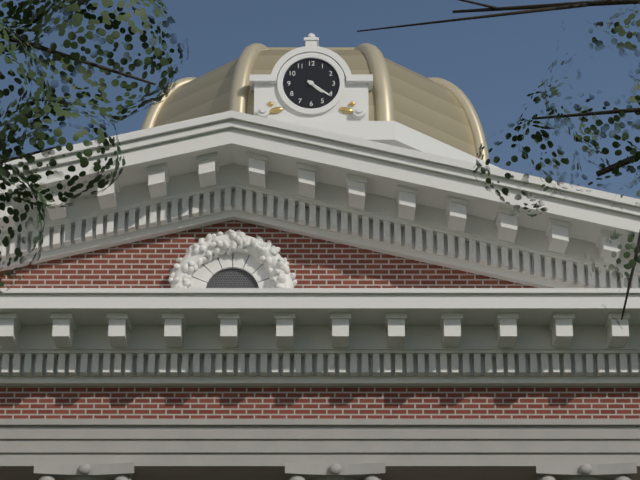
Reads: 4:21
